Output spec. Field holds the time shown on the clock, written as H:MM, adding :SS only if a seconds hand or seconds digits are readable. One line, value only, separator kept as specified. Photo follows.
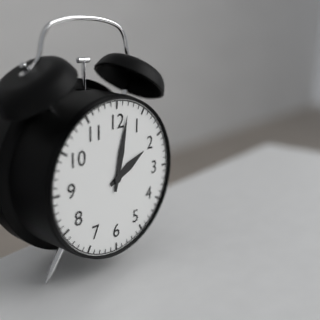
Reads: 2:02
